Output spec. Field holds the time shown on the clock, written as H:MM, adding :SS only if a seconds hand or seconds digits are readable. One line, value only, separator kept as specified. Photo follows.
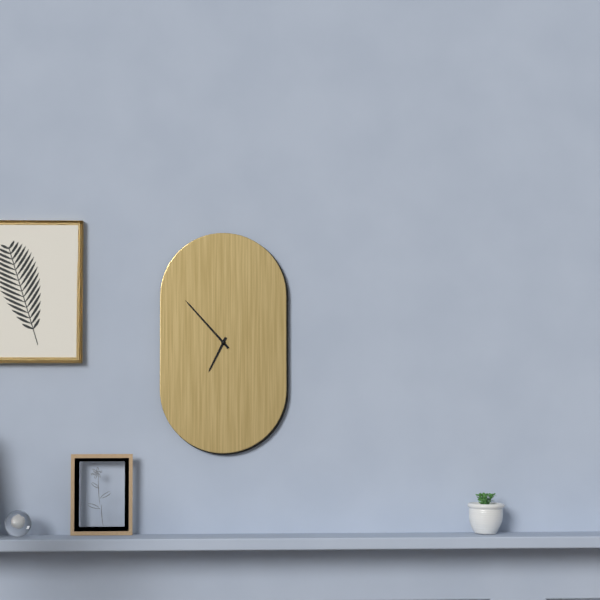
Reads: 6:53
